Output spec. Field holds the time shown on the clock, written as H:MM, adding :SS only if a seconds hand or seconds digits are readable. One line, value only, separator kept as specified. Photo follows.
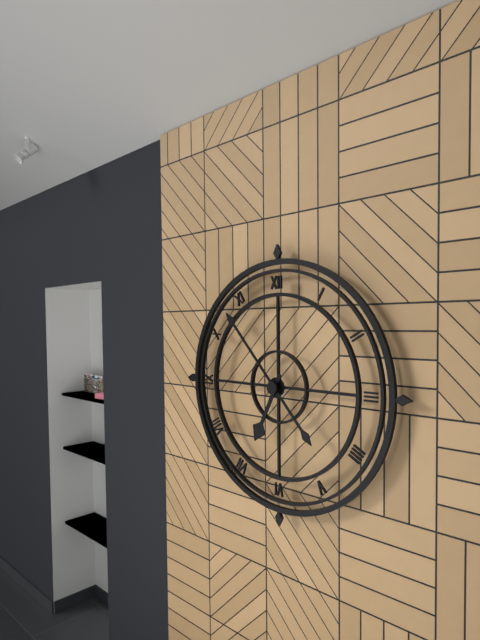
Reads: 6:53
